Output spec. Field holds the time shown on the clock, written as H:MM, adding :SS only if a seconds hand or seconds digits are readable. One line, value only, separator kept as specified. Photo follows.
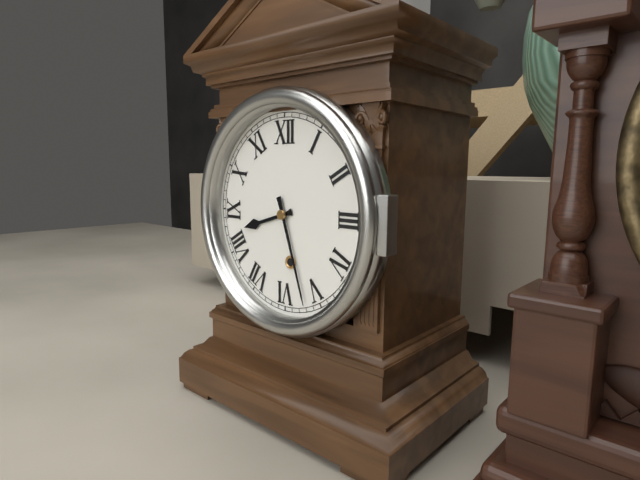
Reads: 8:27
